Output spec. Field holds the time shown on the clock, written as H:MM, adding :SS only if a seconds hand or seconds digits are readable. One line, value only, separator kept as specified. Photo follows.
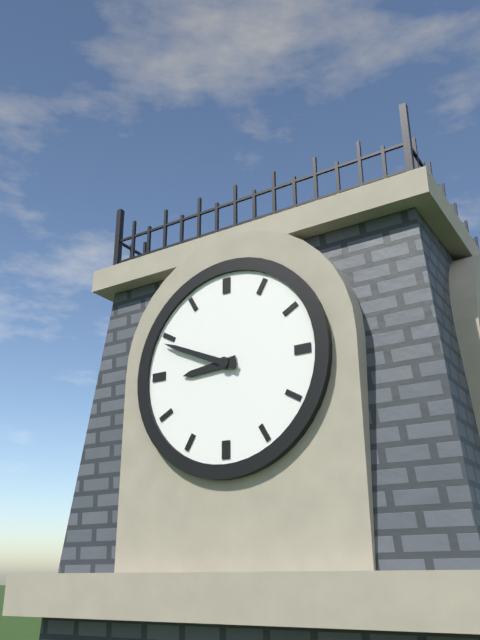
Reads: 8:49
